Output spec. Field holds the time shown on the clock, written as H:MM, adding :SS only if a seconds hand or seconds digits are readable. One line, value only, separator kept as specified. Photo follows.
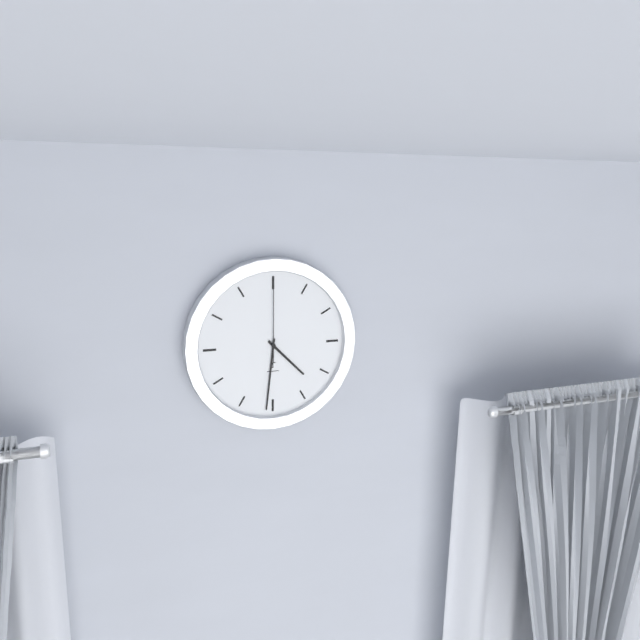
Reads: 4:31:00
